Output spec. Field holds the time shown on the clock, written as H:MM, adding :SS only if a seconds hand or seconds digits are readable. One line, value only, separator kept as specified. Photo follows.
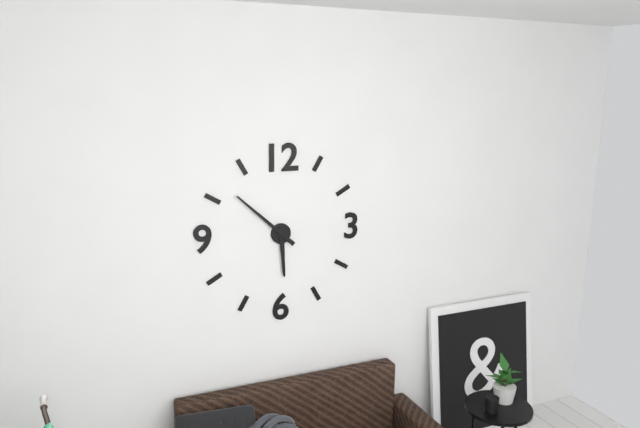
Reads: 5:52
